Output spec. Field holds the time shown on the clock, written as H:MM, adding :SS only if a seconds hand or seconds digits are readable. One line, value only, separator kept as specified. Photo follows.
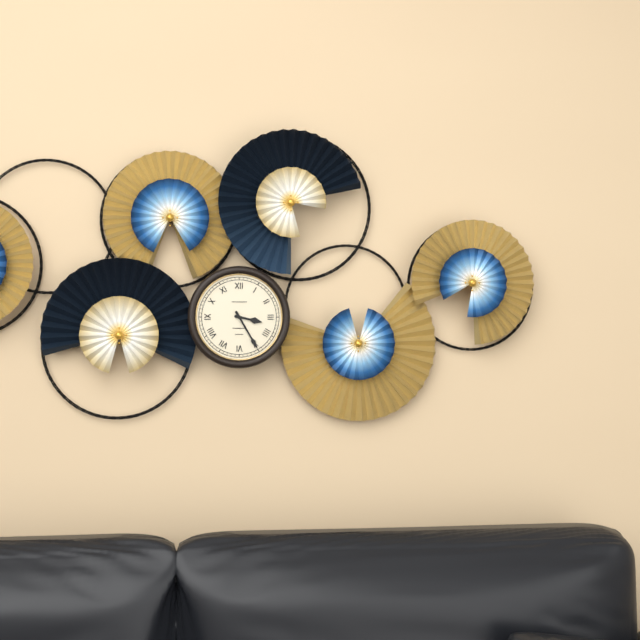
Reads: 3:25
